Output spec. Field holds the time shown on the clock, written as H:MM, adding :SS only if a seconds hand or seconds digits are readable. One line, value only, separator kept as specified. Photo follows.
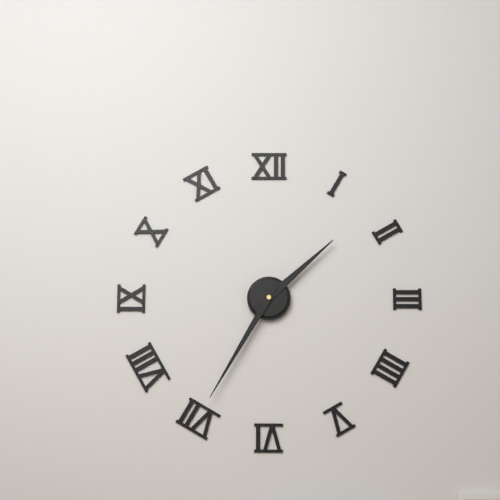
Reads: 1:35
